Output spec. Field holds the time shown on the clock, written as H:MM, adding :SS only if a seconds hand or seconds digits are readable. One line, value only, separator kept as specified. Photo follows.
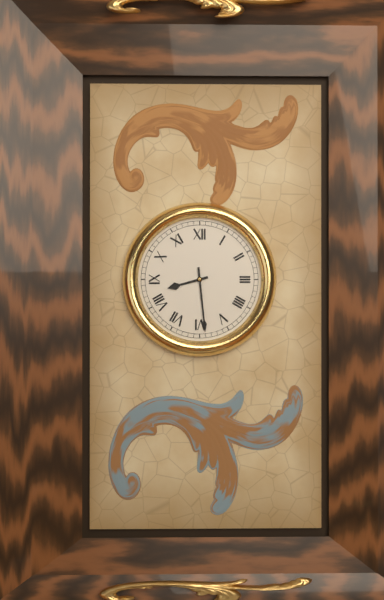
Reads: 8:29
